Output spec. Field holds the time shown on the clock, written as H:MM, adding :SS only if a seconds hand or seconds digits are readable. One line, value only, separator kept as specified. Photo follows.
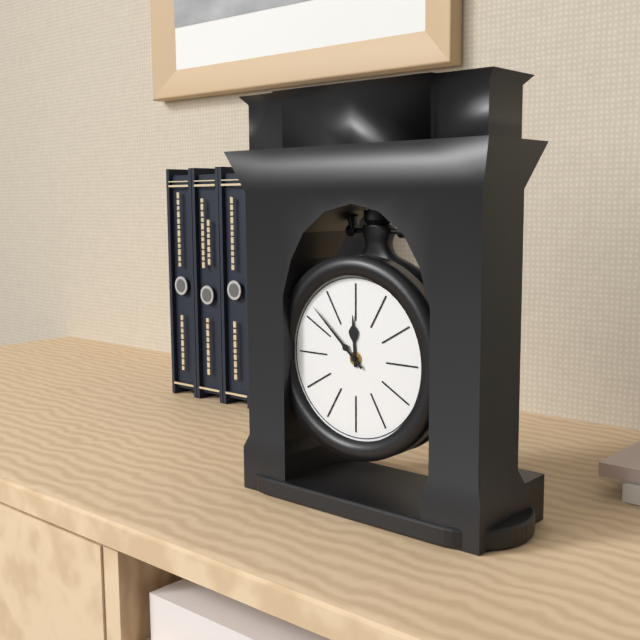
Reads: 11:52
